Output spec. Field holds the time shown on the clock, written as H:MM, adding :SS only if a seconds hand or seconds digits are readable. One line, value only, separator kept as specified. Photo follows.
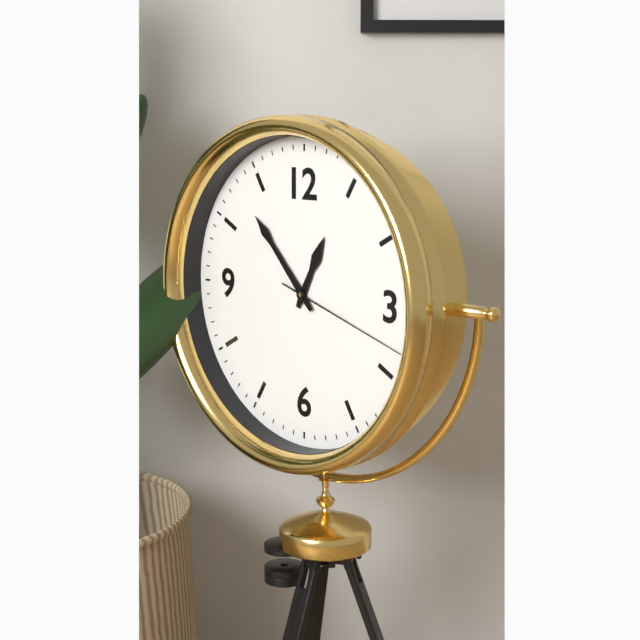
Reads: 12:53:18
